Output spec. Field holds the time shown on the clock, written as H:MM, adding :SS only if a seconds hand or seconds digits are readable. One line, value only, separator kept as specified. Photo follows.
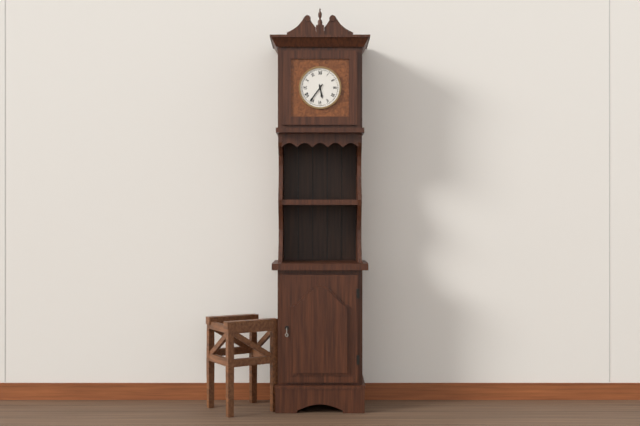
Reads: 5:36
